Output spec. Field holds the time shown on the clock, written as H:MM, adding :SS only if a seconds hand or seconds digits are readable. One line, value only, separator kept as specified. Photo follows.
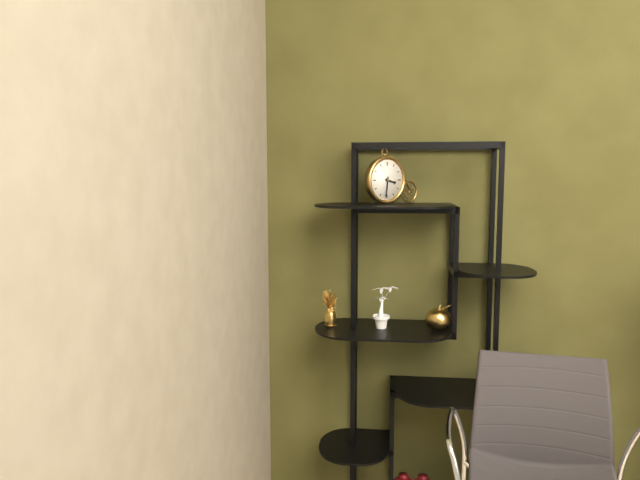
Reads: 3:31
